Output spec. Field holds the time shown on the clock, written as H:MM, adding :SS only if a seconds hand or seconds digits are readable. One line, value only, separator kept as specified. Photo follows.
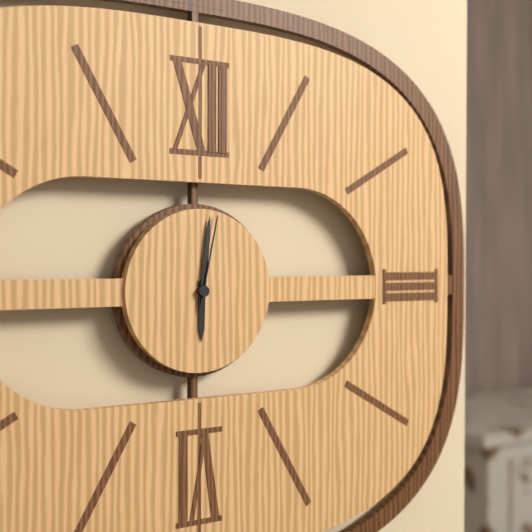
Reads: 6:01:02
